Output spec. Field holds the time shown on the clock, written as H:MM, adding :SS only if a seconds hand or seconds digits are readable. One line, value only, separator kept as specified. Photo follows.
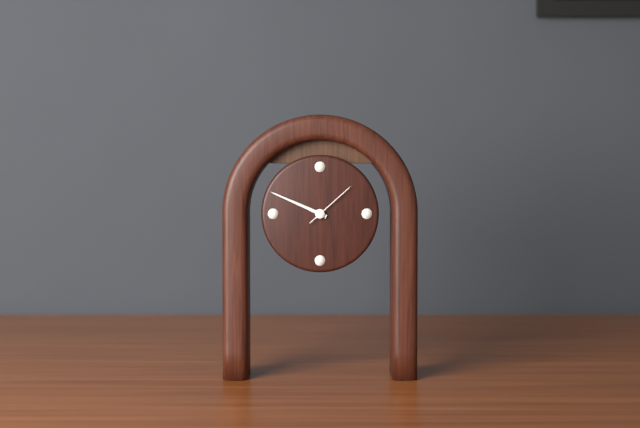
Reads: 9:49:08
